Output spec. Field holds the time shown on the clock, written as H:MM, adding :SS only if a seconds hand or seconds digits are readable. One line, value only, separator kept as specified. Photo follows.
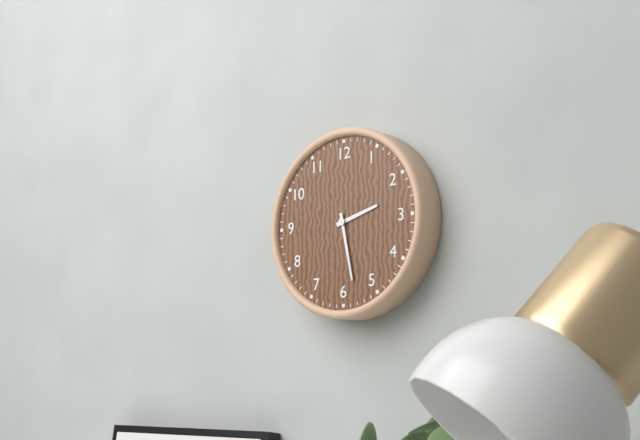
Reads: 2:28
